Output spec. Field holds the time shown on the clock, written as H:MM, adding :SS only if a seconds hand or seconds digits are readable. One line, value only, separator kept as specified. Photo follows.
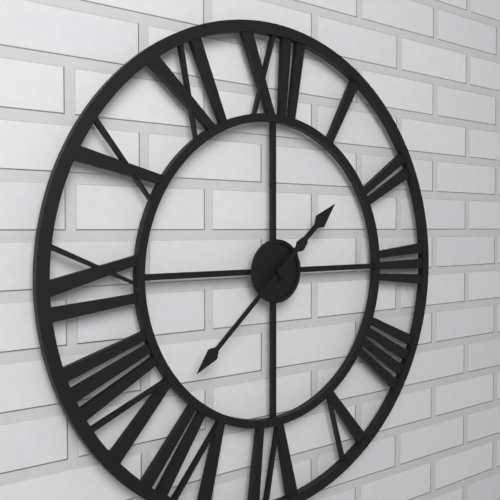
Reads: 1:38
